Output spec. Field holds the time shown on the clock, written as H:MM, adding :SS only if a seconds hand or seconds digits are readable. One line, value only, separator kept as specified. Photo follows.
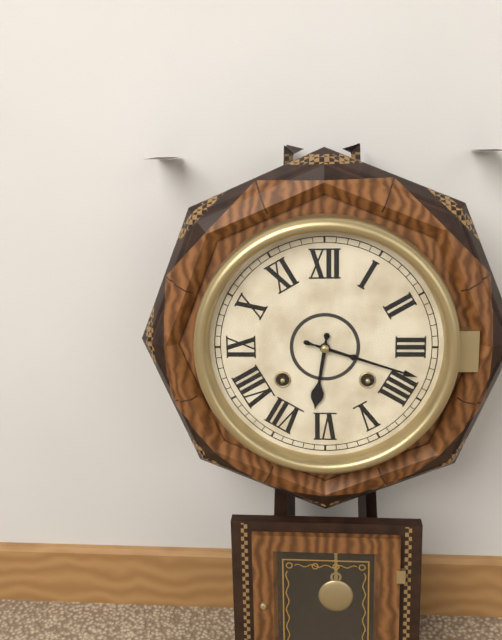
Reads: 6:18
